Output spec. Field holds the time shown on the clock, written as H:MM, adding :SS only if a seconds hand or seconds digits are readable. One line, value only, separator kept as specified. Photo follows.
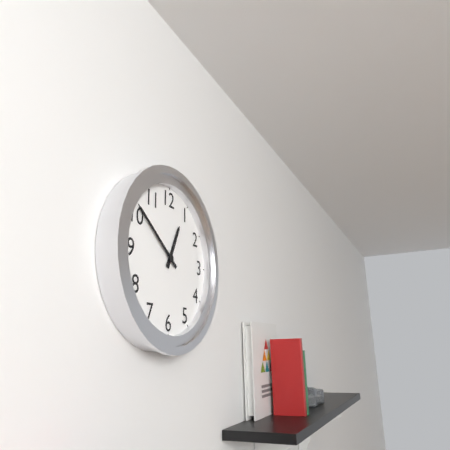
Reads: 12:51
